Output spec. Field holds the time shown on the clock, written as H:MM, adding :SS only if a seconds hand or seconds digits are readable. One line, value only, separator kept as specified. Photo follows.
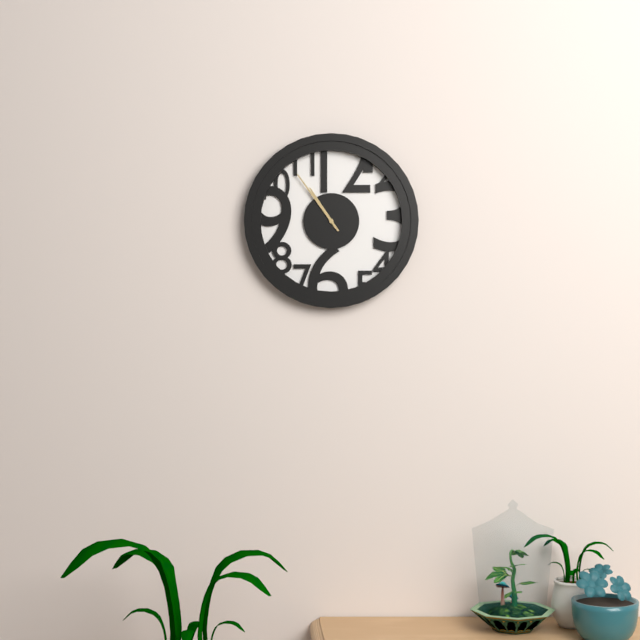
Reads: 10:54
